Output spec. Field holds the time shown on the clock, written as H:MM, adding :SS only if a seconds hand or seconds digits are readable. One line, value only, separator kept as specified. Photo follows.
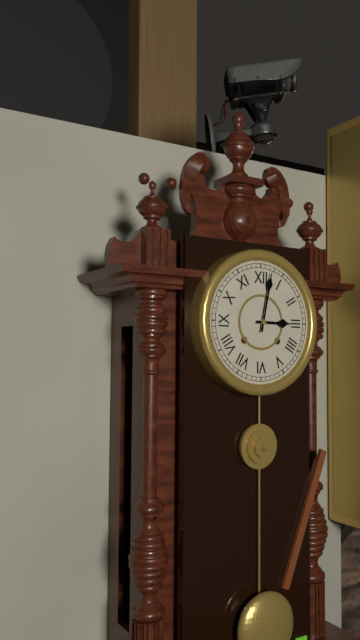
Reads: 3:02
